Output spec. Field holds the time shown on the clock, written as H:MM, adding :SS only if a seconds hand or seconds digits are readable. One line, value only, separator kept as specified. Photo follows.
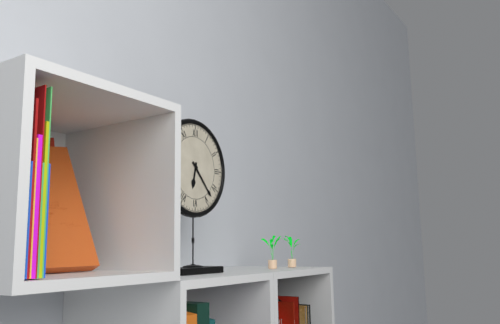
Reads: 6:23
